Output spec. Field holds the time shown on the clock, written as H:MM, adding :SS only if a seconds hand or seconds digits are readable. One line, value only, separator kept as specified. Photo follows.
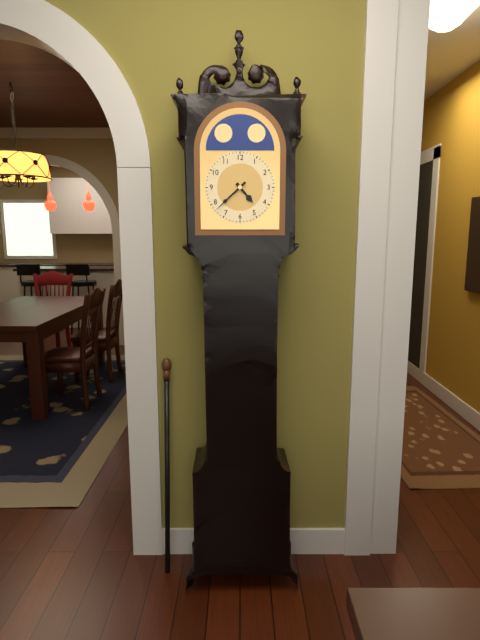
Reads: 4:38
